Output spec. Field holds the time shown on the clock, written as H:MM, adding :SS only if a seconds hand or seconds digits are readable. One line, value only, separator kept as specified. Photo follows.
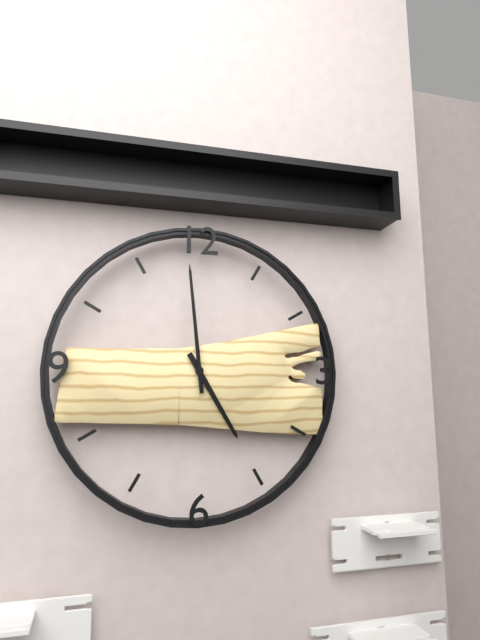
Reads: 4:59
